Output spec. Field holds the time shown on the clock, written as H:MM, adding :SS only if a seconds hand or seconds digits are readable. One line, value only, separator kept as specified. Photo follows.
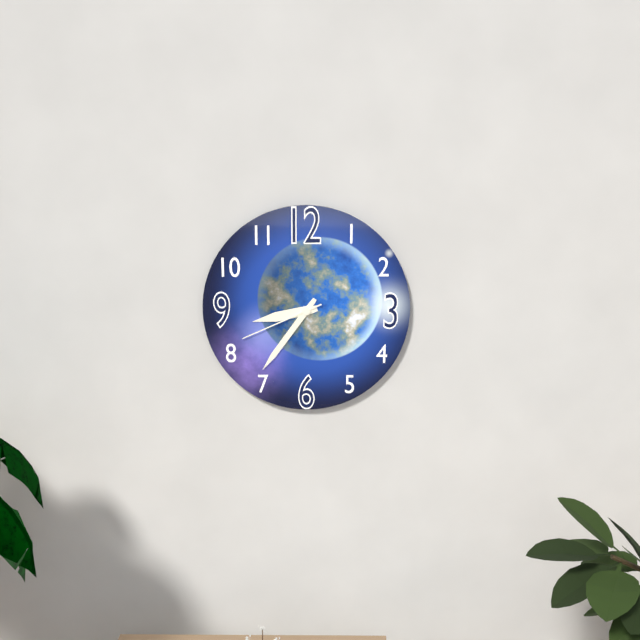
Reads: 8:36:41
